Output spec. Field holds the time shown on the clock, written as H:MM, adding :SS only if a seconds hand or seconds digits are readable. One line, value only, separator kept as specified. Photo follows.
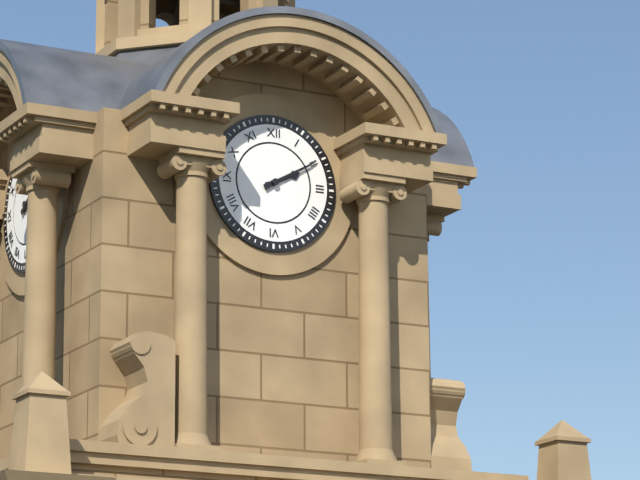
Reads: 2:10
